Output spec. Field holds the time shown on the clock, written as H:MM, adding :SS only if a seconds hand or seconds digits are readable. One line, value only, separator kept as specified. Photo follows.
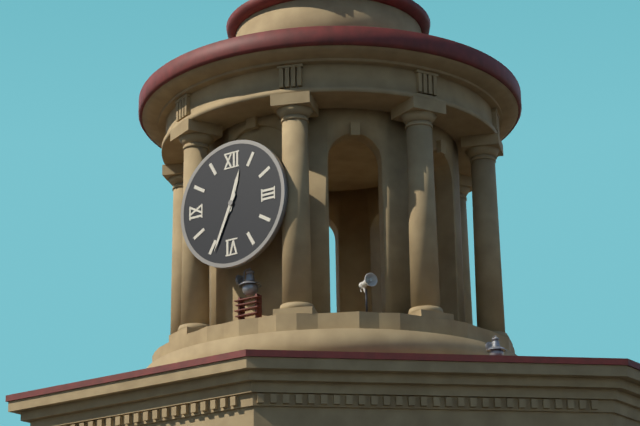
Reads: 12:34
